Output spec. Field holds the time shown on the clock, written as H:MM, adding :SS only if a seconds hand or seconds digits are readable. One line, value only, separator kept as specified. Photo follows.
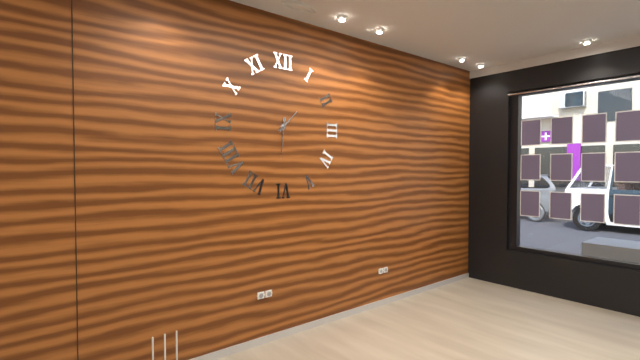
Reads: 1:31
